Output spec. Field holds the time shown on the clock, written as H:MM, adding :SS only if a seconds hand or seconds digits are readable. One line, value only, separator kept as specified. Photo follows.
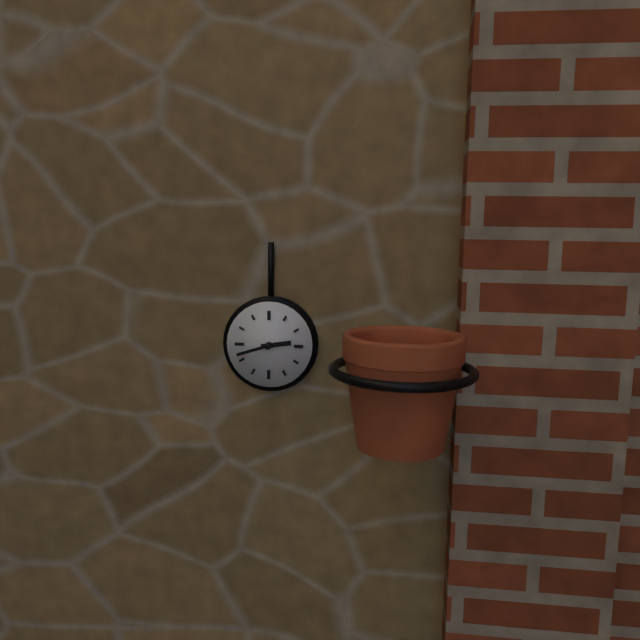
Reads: 2:42
